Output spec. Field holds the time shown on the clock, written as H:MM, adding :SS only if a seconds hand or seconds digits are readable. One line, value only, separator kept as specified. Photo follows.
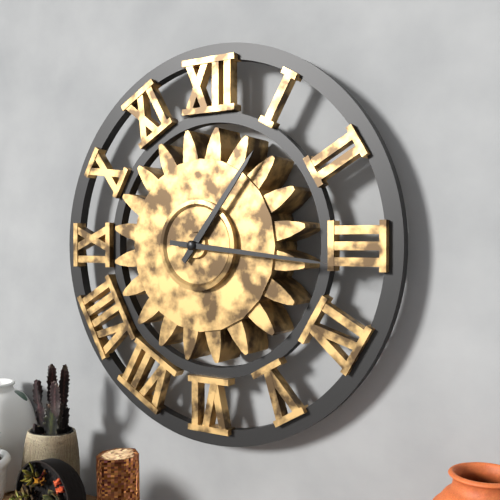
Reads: 1:16
